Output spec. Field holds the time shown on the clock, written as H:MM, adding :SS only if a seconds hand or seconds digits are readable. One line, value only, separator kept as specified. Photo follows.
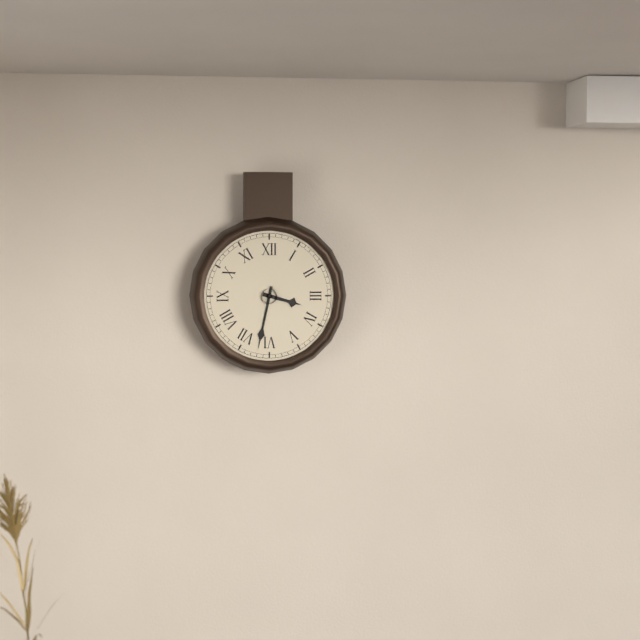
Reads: 3:32
